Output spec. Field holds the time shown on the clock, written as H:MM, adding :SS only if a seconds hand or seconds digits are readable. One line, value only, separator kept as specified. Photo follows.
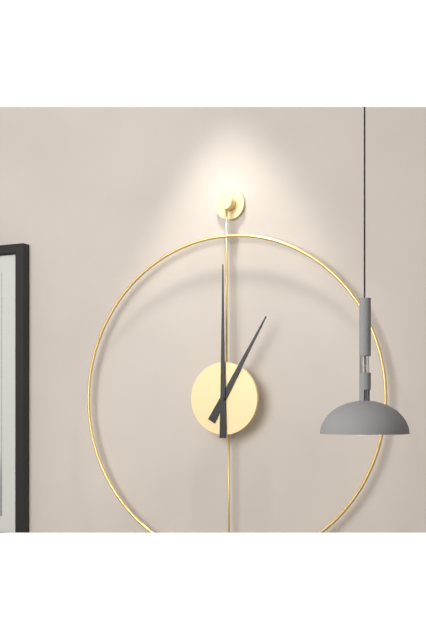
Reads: 1:00
